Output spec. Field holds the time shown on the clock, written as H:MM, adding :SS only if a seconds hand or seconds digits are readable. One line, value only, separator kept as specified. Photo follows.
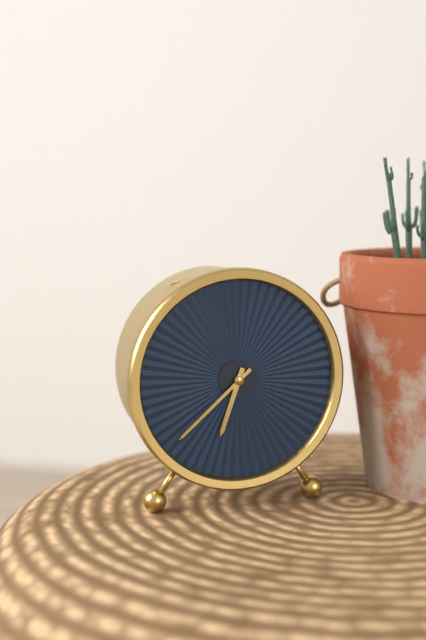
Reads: 6:38
